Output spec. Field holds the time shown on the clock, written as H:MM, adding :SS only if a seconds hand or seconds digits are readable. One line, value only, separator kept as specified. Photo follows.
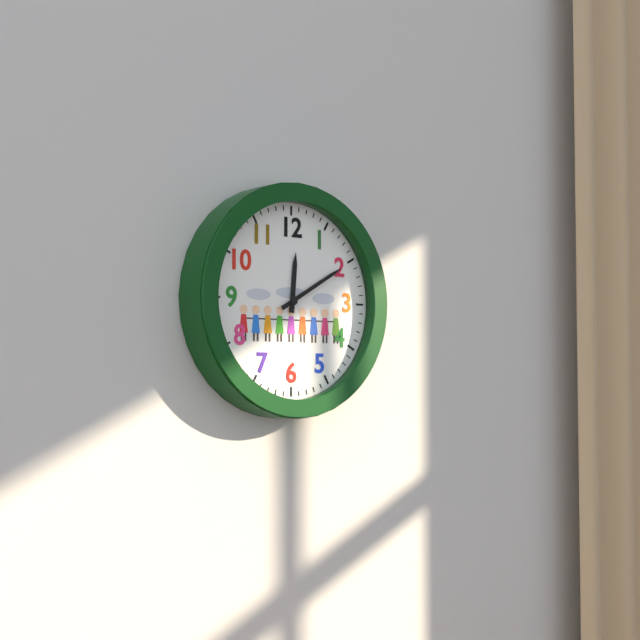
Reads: 12:10
